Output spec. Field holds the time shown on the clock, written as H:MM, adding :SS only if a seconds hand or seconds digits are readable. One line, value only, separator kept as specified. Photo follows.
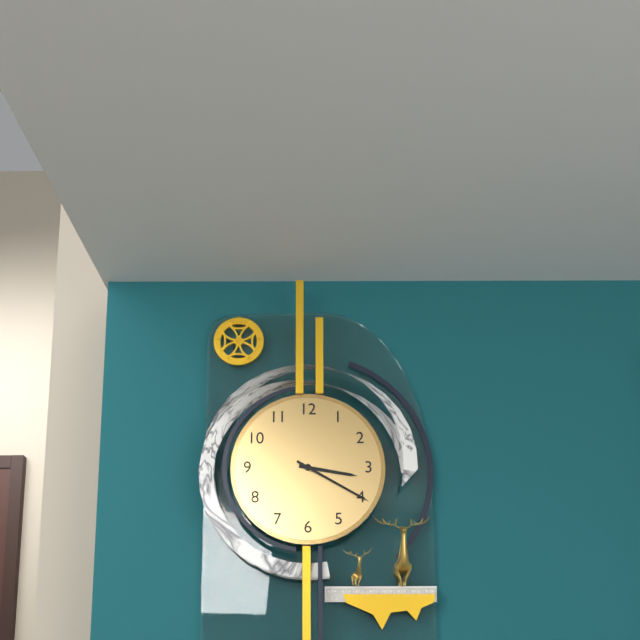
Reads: 3:20
